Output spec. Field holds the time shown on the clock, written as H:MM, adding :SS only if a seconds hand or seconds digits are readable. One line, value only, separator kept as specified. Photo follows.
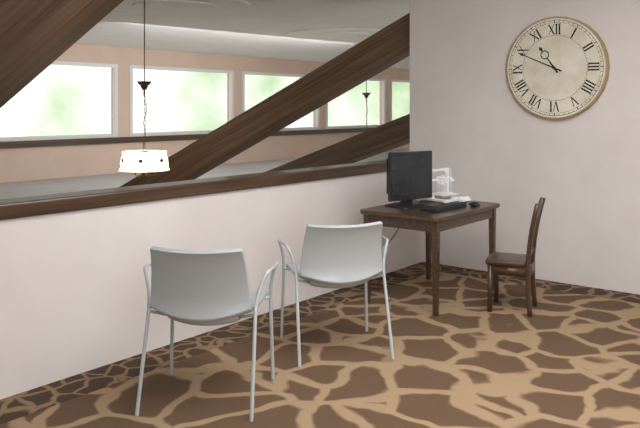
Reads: 10:49
